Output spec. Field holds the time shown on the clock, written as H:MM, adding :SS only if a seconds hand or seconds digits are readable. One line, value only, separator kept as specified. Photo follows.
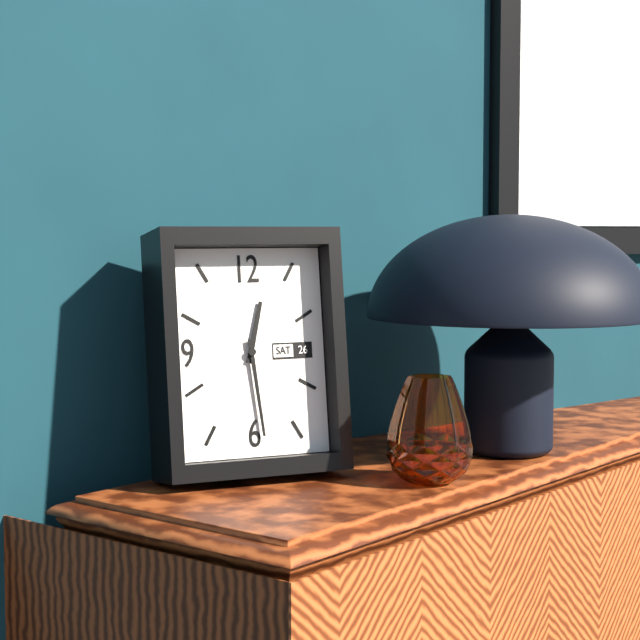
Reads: 12:29
